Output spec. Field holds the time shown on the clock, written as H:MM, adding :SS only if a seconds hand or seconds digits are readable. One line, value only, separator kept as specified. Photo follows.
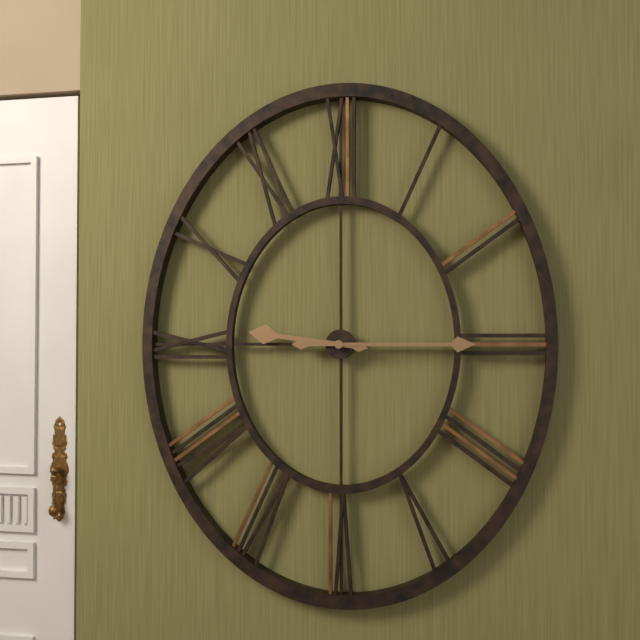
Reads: 9:15
